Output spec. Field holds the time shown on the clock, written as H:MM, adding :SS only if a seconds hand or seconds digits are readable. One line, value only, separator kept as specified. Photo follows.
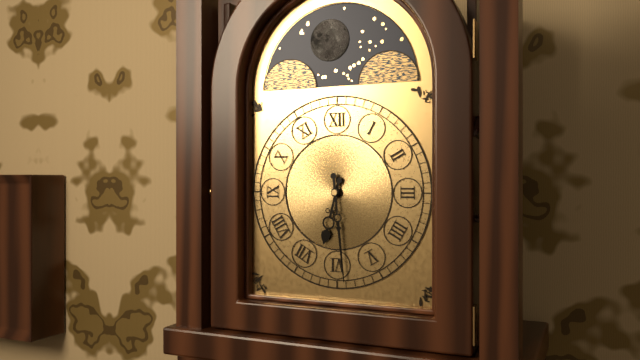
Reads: 6:29
